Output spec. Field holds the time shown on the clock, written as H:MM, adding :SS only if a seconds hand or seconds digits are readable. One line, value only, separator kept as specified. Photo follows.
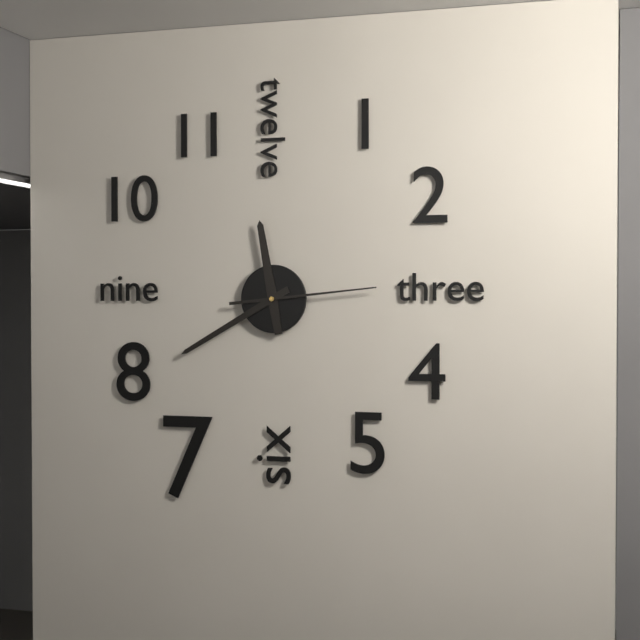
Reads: 11:40:14
